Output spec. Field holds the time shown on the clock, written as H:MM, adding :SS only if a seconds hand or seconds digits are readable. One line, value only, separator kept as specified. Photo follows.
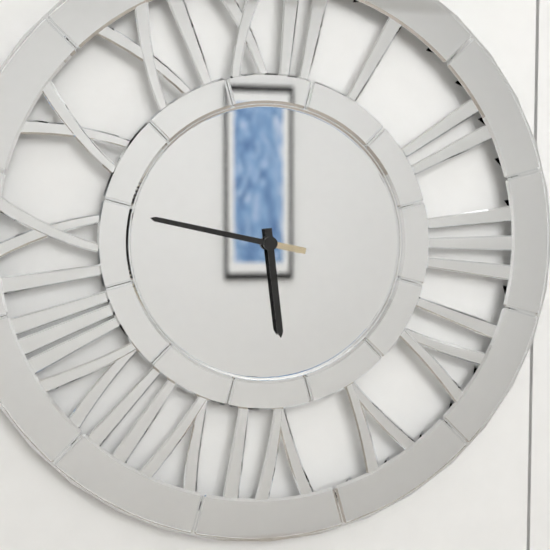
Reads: 5:47
